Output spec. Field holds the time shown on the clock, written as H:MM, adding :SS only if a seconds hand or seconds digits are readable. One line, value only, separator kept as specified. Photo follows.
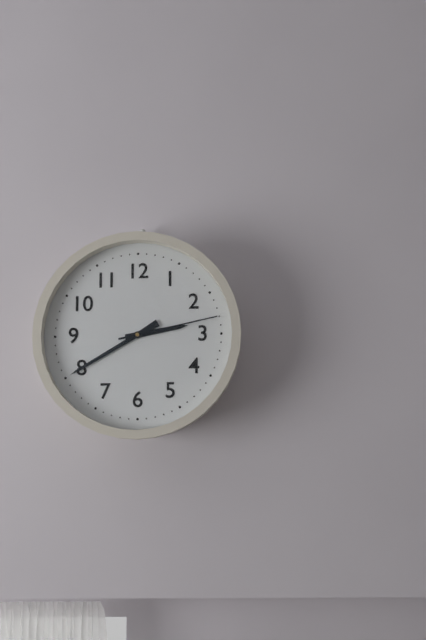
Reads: 2:40:13
